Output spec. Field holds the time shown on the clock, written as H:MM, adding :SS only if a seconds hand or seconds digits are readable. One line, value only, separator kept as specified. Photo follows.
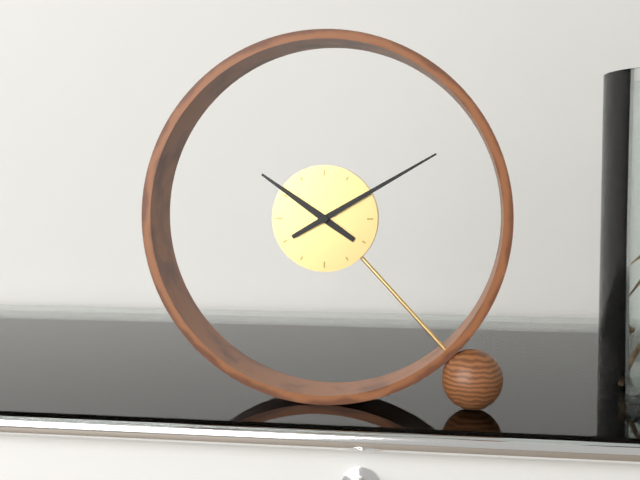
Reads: 10:10
